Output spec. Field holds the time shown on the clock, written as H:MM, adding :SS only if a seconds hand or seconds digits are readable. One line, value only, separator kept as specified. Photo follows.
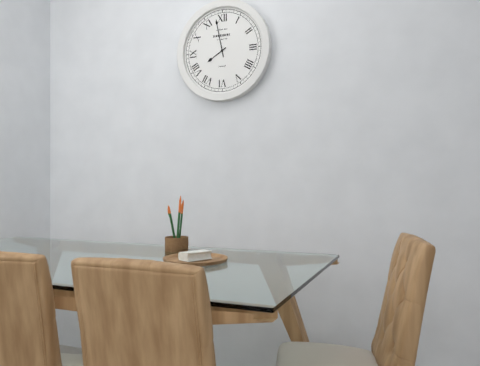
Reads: 7:58
